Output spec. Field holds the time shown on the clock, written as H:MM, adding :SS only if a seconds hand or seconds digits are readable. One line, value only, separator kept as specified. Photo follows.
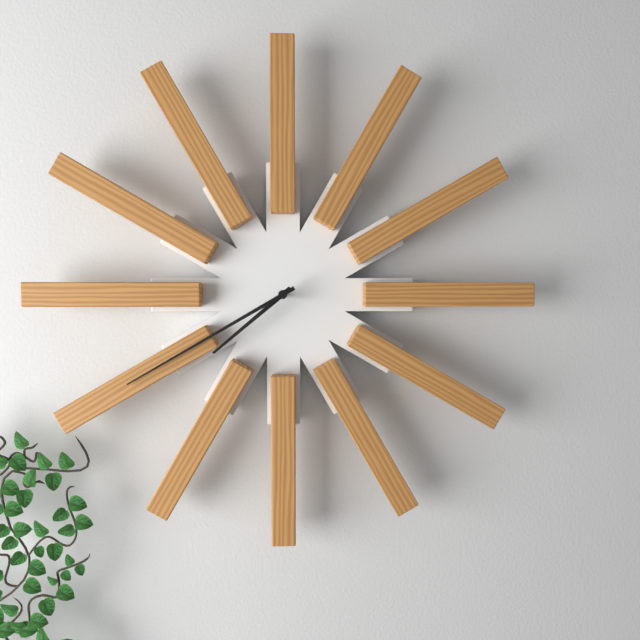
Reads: 7:40
